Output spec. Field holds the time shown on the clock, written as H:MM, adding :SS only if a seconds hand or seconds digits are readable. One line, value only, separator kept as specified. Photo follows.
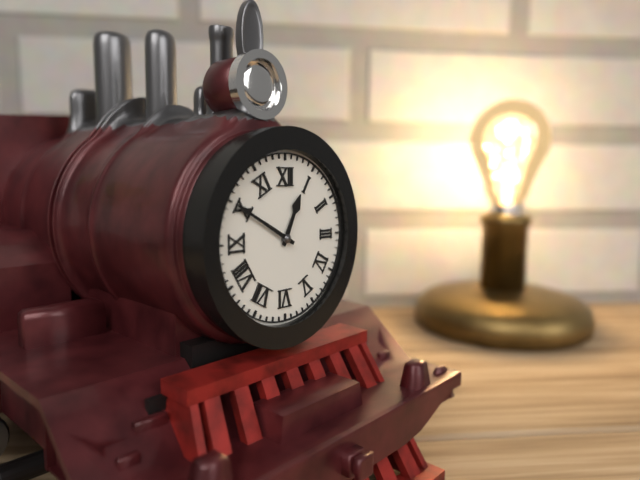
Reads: 12:50
